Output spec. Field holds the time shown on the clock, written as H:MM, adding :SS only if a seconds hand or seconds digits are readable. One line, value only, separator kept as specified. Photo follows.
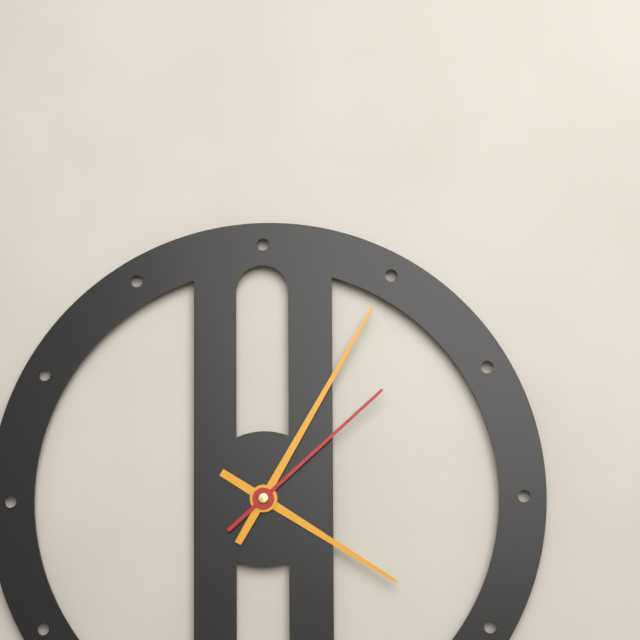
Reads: 4:05:08
